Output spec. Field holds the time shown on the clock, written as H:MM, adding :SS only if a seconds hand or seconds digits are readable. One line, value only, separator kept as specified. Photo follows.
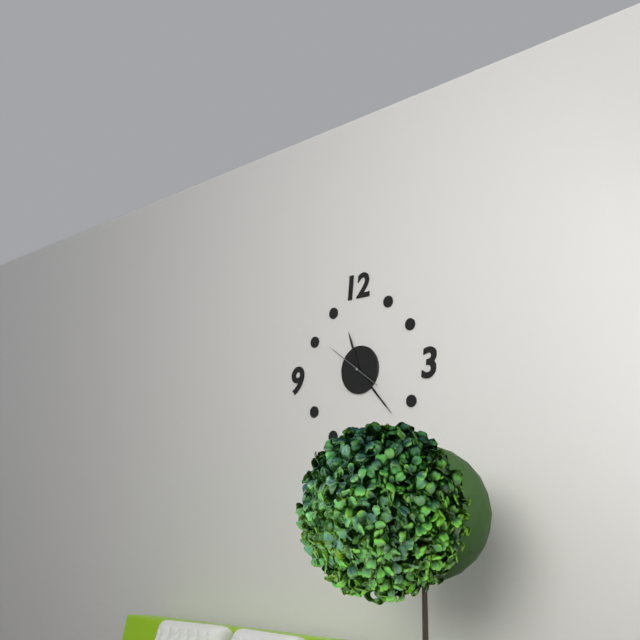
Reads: 11:23
